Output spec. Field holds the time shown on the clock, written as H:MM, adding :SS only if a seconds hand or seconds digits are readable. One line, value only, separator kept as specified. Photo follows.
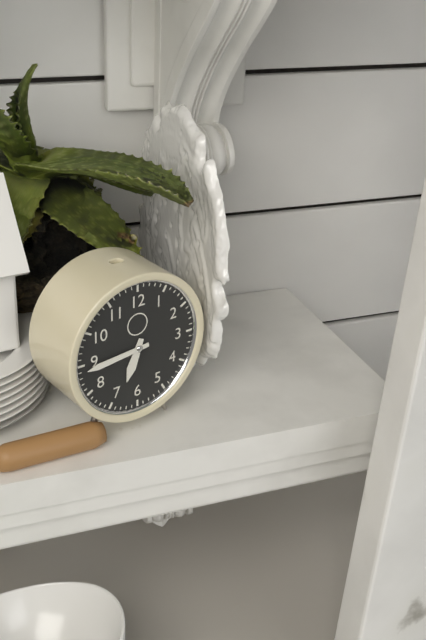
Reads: 6:44
